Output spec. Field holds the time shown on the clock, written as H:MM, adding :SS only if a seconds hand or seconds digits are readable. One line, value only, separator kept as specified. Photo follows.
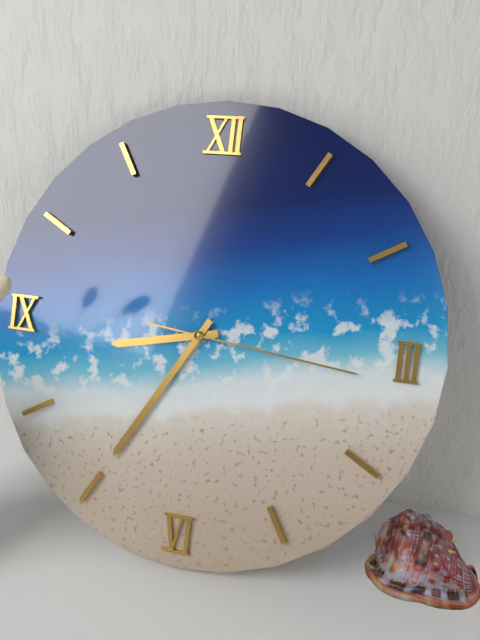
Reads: 8:35:16
